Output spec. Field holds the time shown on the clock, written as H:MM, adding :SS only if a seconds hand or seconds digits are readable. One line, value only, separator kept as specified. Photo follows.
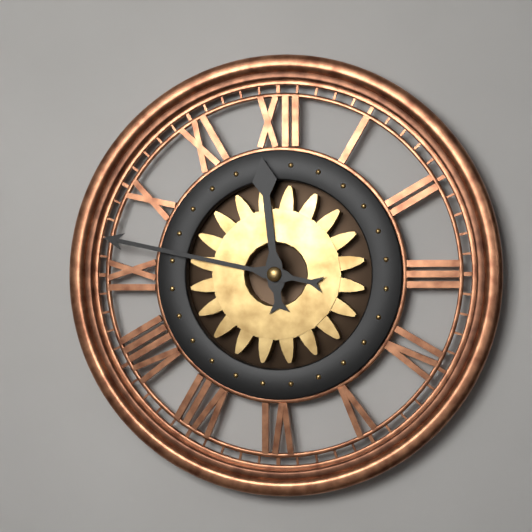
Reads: 11:47
